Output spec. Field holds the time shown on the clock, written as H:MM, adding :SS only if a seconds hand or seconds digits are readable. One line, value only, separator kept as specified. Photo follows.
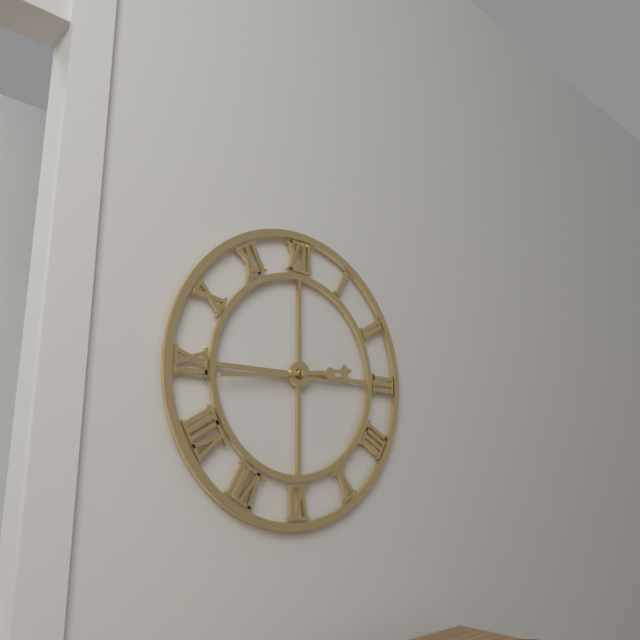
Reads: 2:44
